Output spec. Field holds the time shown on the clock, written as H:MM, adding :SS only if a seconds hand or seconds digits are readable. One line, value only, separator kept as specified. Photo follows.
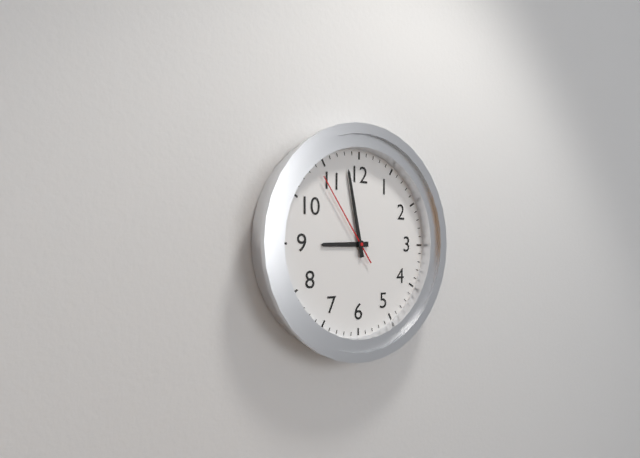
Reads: 8:58:54
